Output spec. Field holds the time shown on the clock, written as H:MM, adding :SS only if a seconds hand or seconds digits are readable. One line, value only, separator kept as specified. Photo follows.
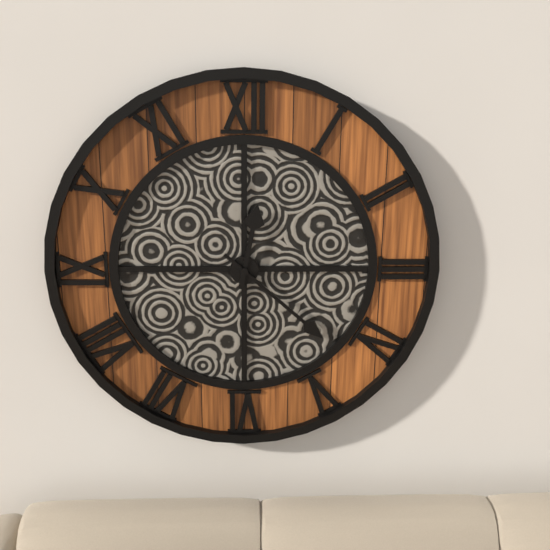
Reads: 12:22
